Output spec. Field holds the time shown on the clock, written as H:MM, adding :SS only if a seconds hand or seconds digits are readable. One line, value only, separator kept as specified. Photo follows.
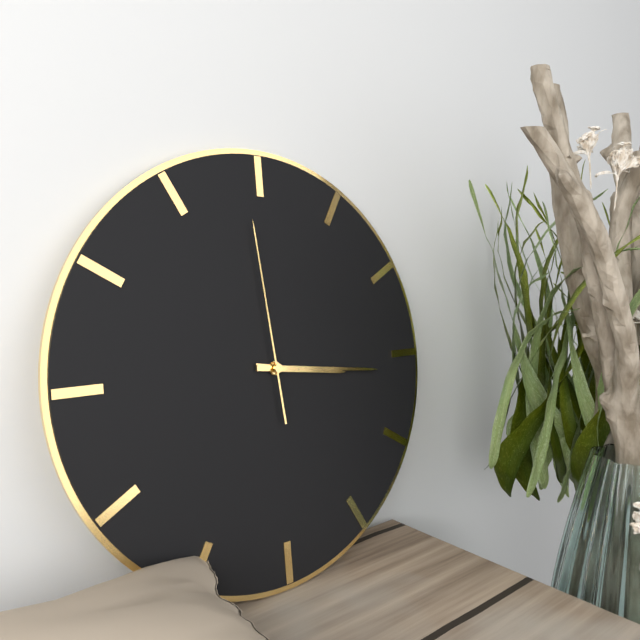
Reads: 3:16:59
